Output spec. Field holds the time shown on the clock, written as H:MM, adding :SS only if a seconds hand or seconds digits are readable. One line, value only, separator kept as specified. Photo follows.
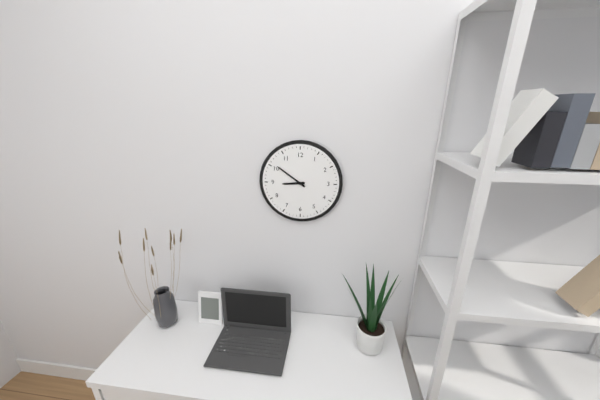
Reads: 8:51
